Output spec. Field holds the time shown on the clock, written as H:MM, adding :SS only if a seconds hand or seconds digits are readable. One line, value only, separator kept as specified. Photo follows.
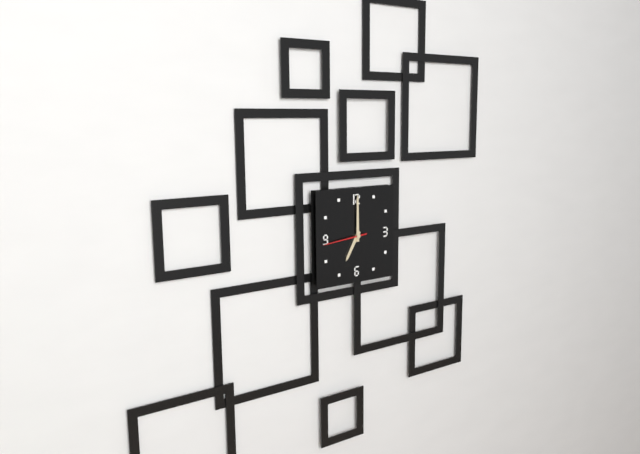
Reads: 7:00
